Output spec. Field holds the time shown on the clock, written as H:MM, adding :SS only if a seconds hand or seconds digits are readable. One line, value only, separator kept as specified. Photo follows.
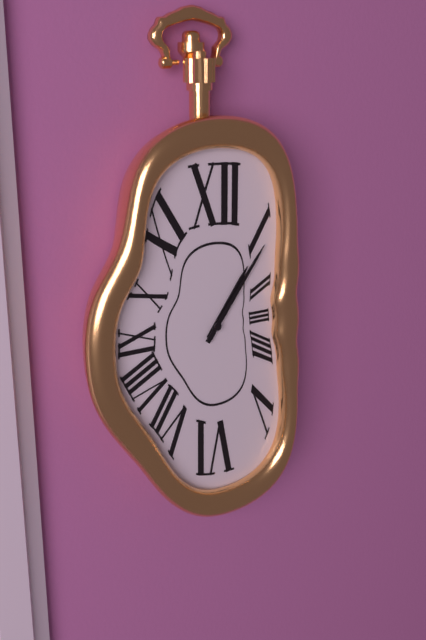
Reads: 1:06
